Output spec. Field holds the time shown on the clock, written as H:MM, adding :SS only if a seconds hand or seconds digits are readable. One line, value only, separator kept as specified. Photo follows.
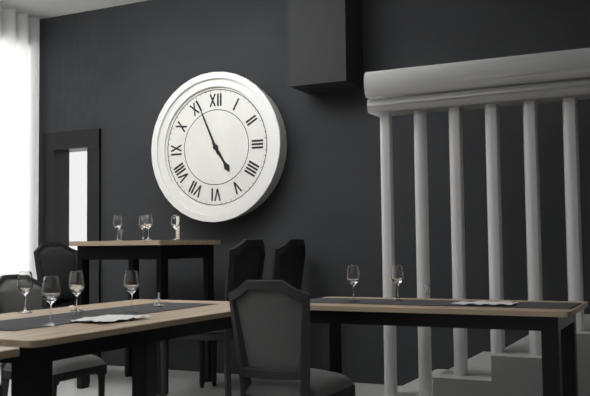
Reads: 4:56
